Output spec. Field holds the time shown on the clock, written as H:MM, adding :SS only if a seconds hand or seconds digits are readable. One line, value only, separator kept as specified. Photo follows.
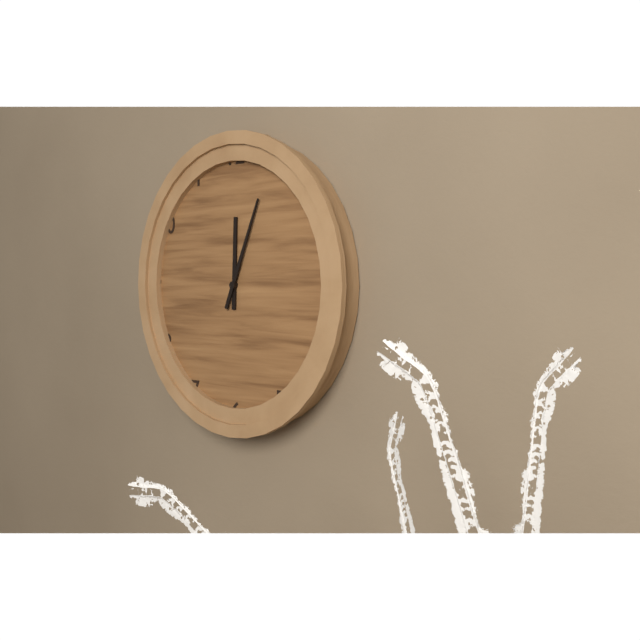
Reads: 12:04
